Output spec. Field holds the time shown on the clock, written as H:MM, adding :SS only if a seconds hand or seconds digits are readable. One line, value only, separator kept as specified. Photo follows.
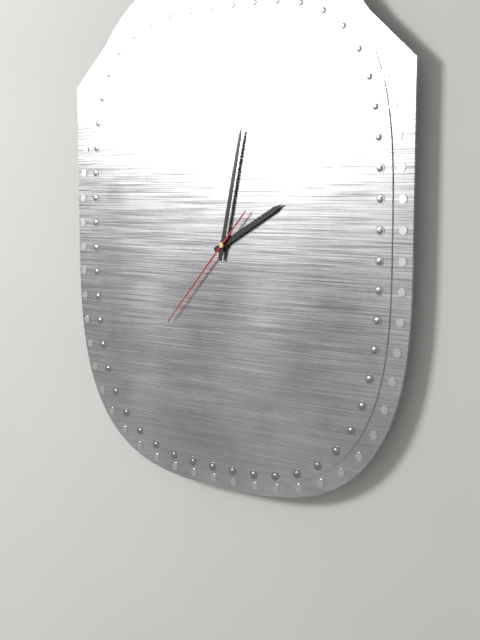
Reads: 2:02:37
